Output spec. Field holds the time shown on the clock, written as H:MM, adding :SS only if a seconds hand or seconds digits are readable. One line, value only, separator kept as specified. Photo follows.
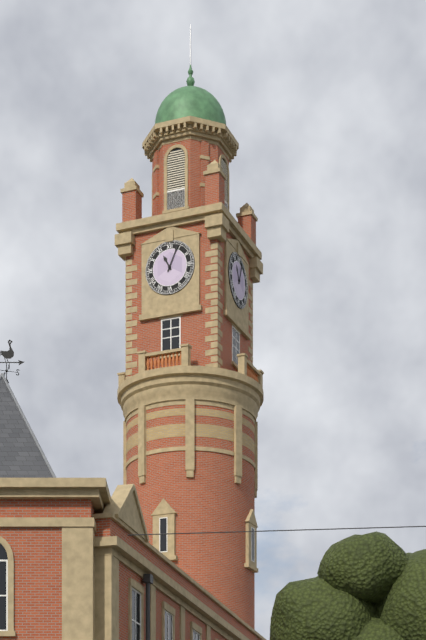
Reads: 11:04
